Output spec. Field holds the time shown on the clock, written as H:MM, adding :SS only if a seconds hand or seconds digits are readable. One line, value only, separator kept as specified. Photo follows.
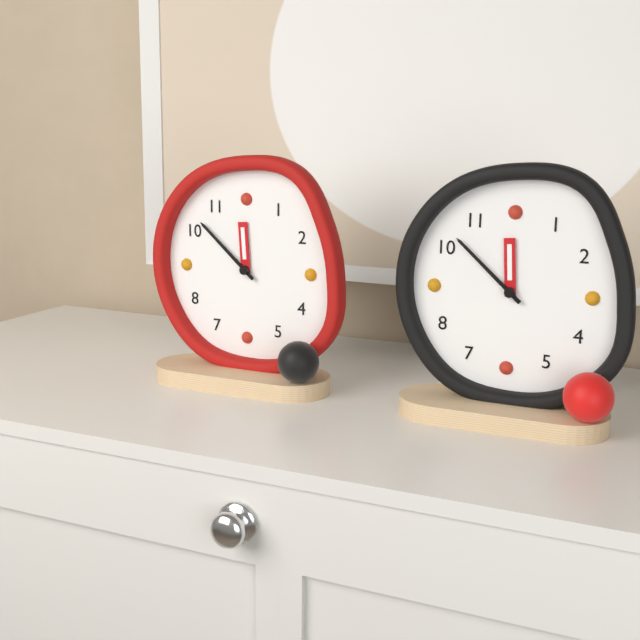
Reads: 11:52
